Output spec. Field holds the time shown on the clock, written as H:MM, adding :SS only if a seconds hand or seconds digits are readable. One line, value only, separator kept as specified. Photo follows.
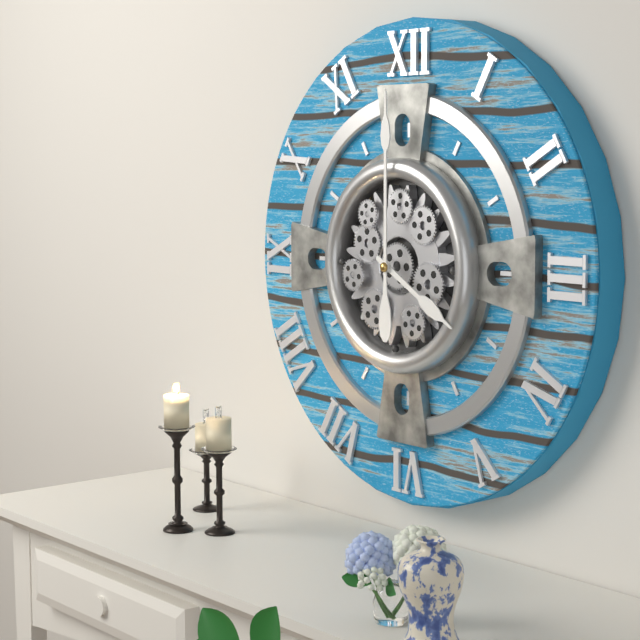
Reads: 4:00
